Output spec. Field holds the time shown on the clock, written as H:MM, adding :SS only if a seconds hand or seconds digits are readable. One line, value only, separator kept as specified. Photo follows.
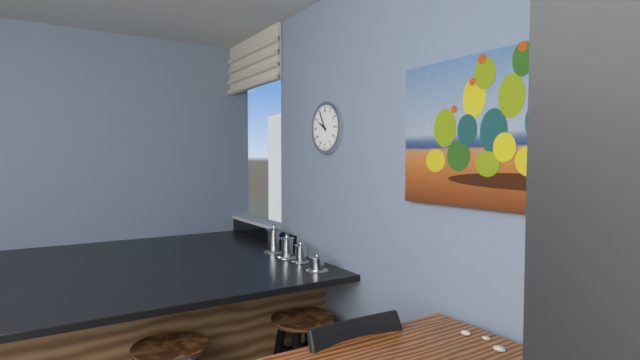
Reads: 9:55
